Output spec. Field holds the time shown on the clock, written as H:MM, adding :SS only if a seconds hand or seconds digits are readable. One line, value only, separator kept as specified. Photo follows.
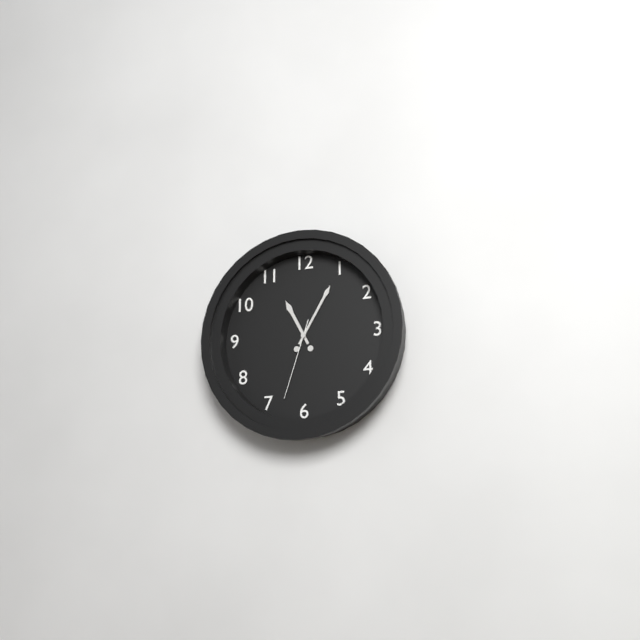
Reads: 11:05:33
